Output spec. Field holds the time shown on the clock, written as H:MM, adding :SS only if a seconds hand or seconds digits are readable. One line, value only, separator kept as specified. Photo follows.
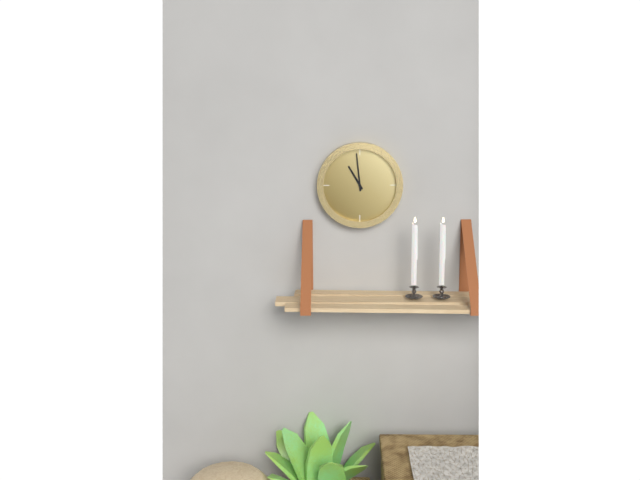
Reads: 10:59
